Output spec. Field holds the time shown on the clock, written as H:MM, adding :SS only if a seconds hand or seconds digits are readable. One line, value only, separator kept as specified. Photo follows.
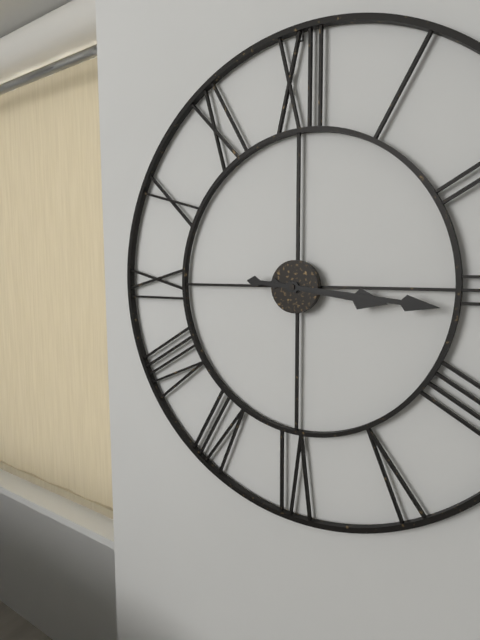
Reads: 3:16
